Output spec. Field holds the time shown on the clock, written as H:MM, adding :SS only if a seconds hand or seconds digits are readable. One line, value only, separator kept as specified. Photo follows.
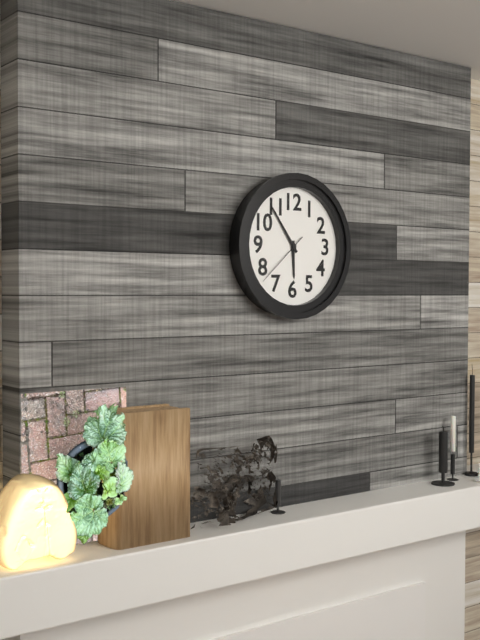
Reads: 5:54:38
